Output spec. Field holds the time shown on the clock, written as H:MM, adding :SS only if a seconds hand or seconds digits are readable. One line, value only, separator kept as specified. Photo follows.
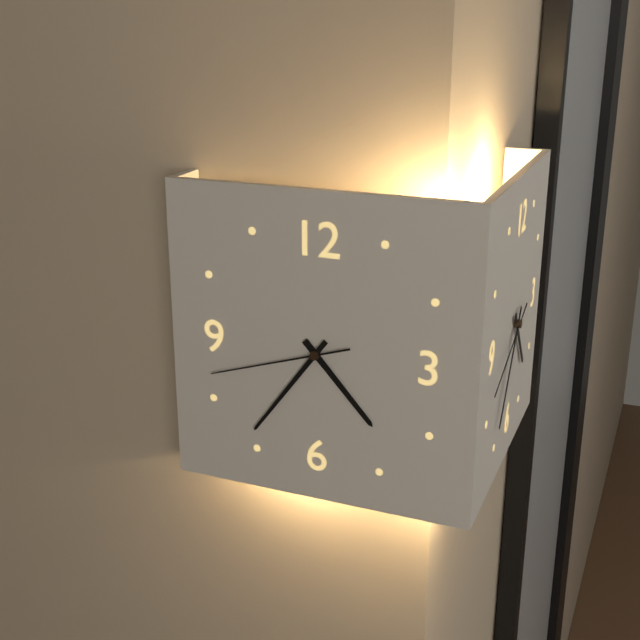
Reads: 4:36:42
